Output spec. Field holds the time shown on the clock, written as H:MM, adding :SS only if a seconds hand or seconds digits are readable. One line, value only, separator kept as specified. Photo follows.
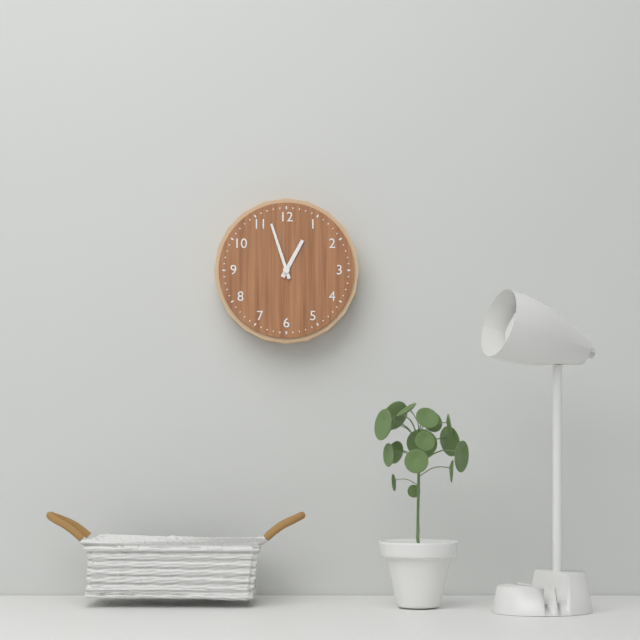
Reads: 12:57
